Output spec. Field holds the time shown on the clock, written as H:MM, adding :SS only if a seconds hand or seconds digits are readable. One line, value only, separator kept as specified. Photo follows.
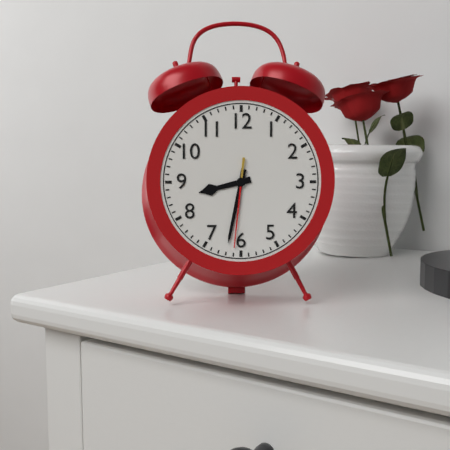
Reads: 8:32:31
